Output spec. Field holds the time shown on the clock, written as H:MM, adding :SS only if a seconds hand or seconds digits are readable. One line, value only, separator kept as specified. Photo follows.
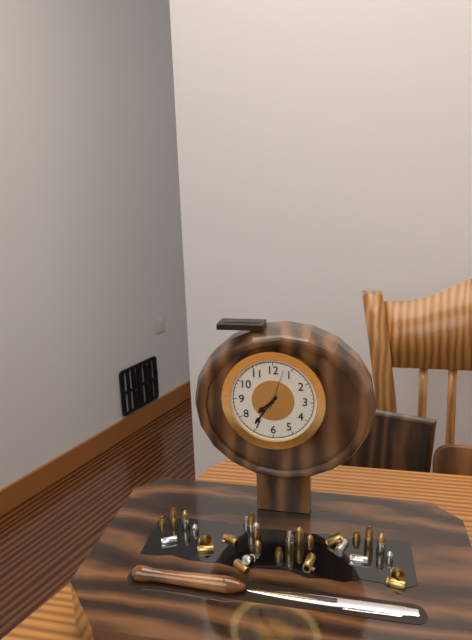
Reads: 7:36
